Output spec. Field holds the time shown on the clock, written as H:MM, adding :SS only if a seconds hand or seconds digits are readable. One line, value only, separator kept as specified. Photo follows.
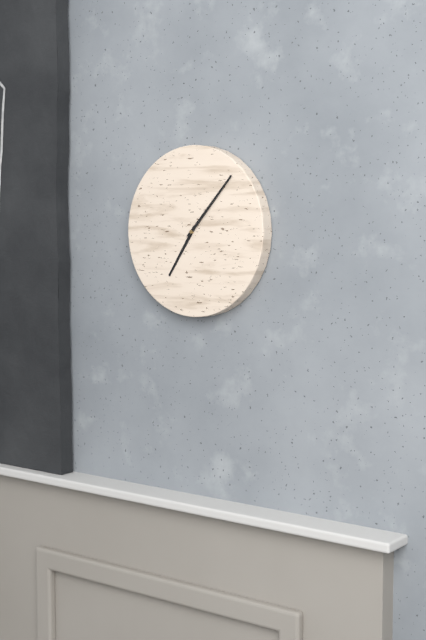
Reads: 7:07
